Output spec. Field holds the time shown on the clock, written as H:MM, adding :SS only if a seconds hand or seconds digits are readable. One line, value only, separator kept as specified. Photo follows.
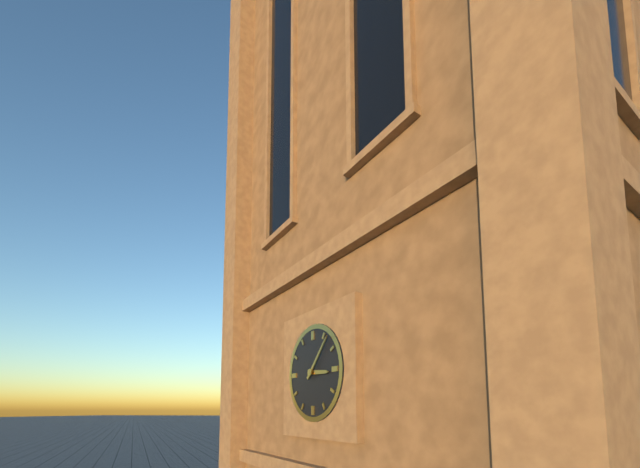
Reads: 3:07
